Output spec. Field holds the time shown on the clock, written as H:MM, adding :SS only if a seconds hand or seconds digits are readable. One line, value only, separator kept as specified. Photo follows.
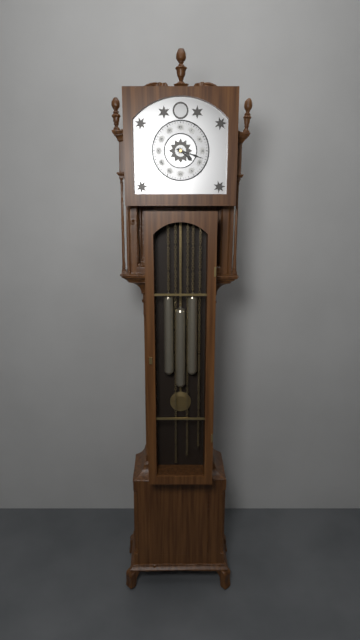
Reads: 4:18
